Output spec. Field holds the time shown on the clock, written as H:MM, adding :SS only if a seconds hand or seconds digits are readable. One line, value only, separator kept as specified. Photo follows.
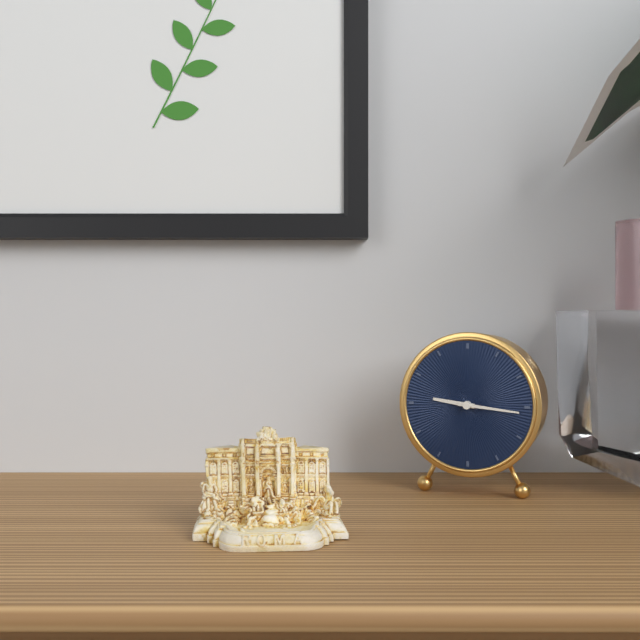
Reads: 9:16
